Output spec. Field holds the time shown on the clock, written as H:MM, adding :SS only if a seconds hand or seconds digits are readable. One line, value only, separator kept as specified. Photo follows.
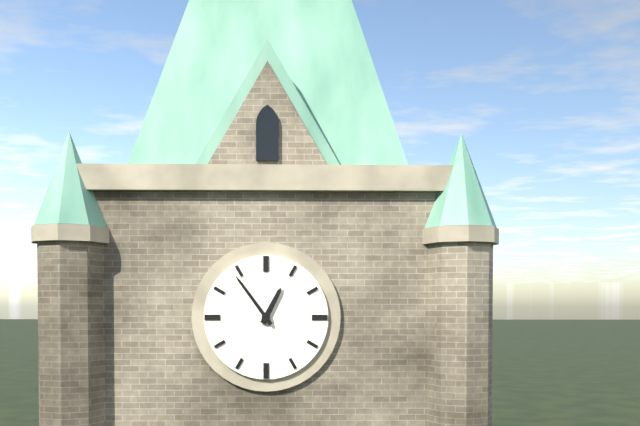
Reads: 12:54
